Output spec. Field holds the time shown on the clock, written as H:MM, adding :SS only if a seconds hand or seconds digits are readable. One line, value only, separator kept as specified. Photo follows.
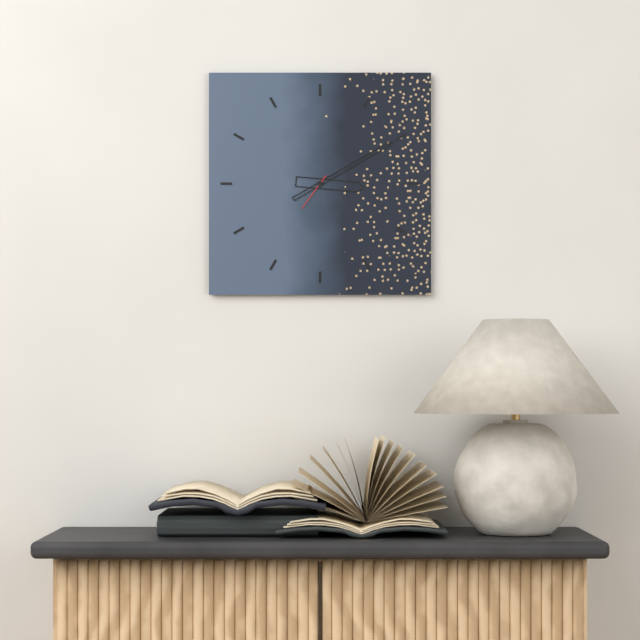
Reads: 3:10
